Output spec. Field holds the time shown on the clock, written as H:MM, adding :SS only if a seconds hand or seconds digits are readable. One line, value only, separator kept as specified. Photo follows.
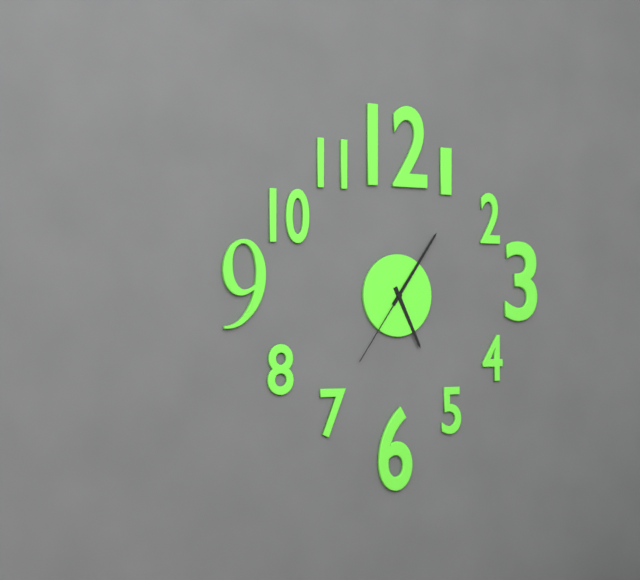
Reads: 5:06:36
